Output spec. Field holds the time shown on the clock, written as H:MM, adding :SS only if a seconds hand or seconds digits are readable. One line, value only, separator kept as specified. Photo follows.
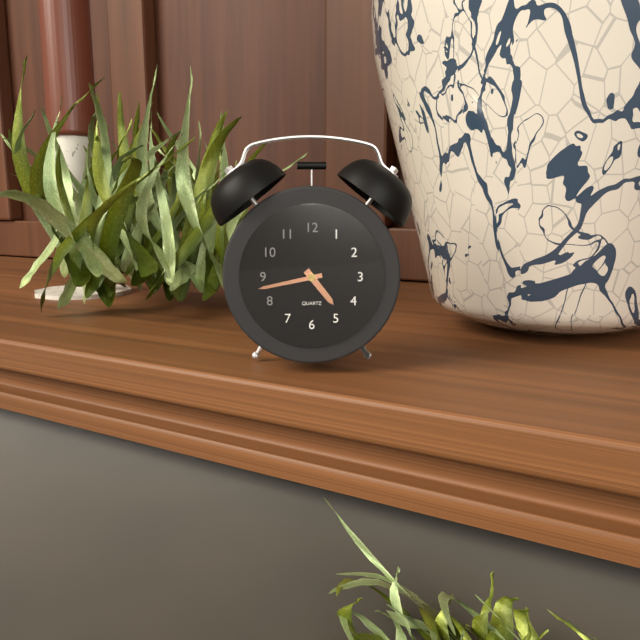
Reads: 4:43
